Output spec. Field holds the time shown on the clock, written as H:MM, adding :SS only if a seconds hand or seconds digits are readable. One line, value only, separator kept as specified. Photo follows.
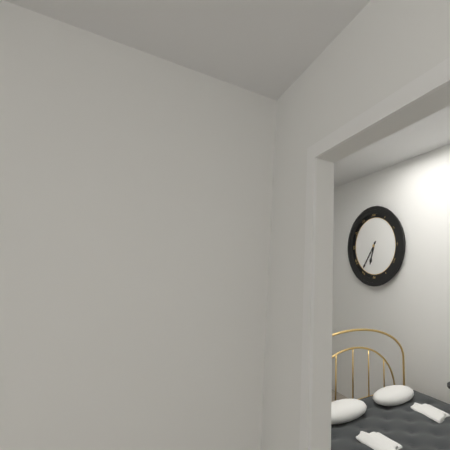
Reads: 6:36
